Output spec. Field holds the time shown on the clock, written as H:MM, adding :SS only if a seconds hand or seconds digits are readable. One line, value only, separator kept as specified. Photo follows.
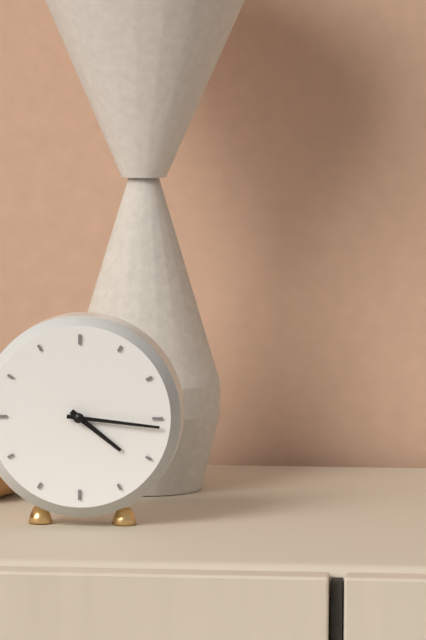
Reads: 4:16
